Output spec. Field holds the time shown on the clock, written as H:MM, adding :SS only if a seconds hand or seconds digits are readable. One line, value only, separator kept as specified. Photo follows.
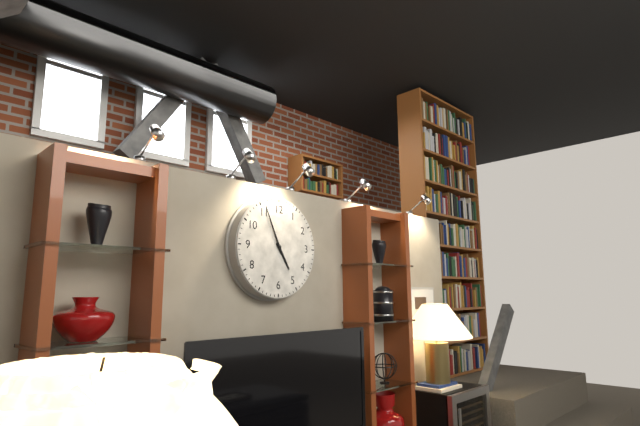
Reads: 4:56
